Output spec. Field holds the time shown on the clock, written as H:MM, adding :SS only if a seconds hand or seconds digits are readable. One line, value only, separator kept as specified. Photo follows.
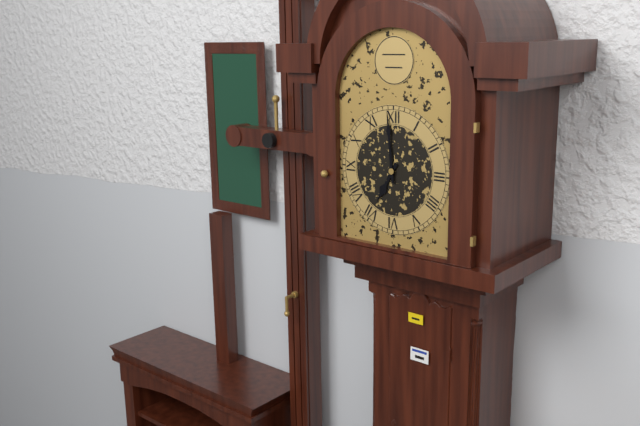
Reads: 6:59
